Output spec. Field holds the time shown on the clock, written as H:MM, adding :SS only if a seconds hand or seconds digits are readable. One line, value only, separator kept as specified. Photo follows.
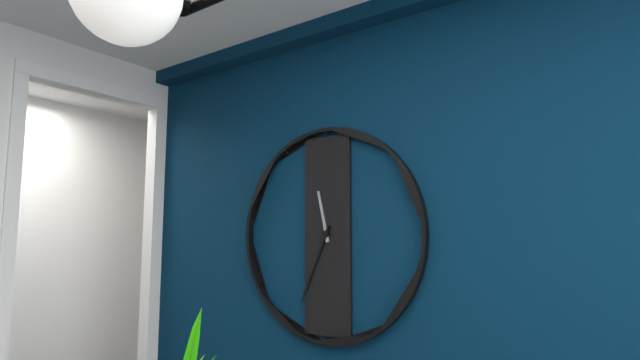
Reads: 11:34
